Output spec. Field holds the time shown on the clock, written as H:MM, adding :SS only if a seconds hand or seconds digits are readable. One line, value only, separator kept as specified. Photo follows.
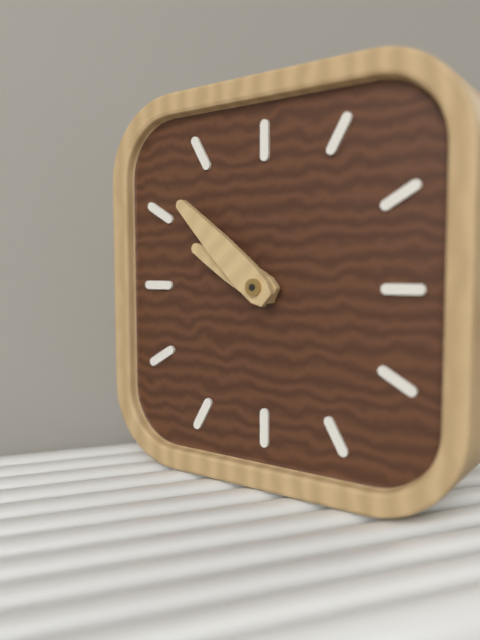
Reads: 9:52
